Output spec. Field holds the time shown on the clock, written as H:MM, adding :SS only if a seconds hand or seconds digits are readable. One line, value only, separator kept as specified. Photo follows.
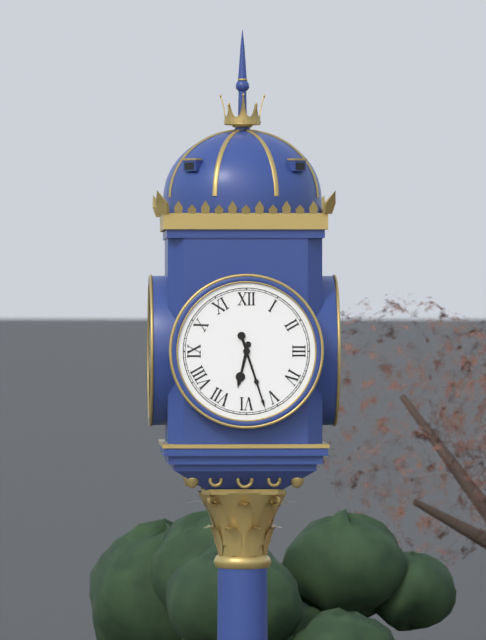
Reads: 6:27
